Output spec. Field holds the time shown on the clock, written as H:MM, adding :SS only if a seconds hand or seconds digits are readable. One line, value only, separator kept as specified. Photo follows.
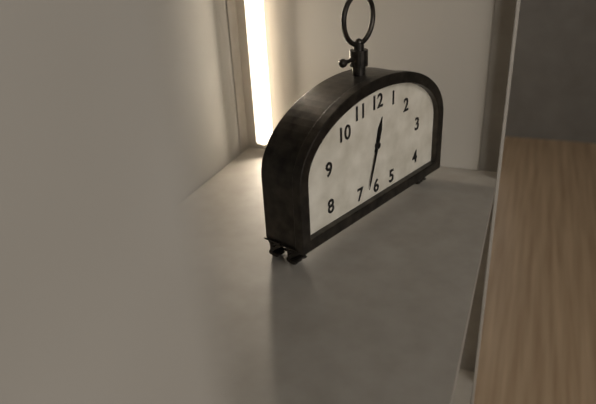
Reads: 12:33
